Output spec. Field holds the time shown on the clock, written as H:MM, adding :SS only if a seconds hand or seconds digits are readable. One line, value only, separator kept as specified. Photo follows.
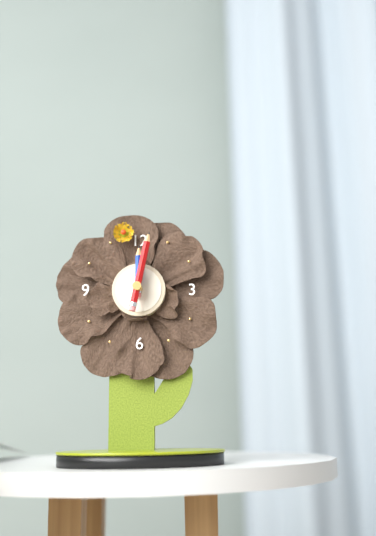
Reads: 12:02
